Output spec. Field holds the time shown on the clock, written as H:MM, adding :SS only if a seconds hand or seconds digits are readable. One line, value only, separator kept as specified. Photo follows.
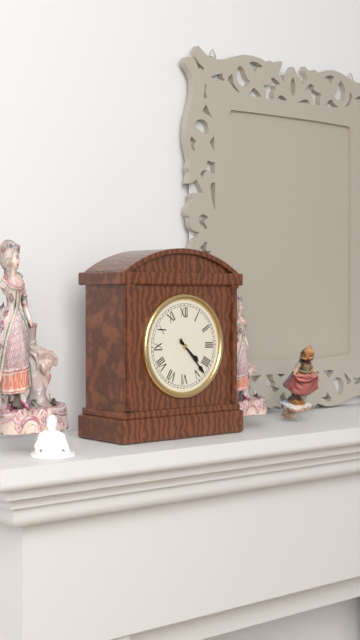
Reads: 4:23
